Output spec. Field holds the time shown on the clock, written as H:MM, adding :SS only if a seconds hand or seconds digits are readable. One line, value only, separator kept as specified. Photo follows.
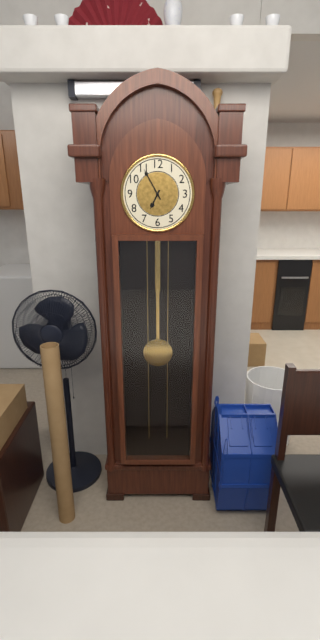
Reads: 6:55
